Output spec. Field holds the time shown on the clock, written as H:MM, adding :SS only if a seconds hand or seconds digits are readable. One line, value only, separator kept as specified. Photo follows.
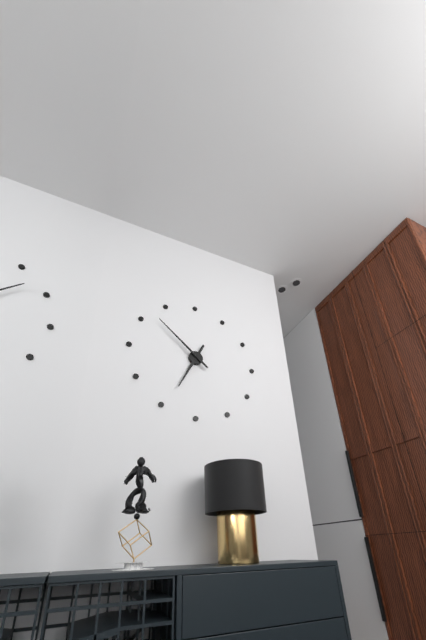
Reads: 6:52
